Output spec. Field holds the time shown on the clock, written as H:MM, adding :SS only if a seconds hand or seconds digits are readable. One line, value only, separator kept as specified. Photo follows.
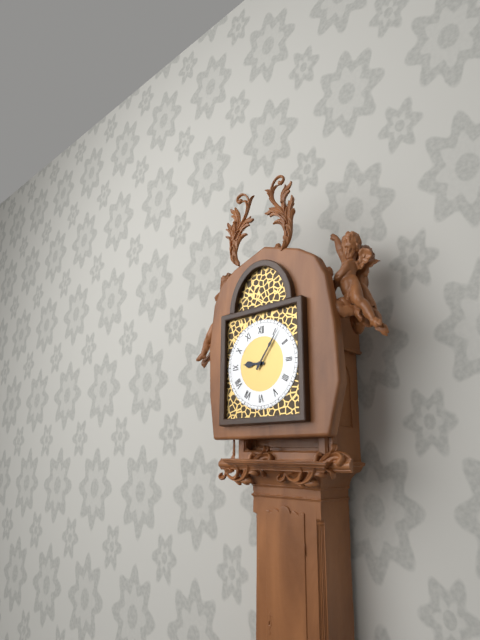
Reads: 9:06
